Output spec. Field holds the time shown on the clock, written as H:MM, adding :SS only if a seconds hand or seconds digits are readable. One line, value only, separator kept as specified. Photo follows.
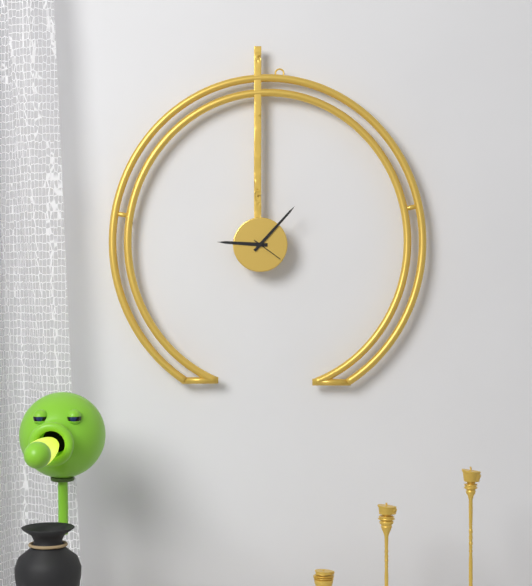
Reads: 9:07
